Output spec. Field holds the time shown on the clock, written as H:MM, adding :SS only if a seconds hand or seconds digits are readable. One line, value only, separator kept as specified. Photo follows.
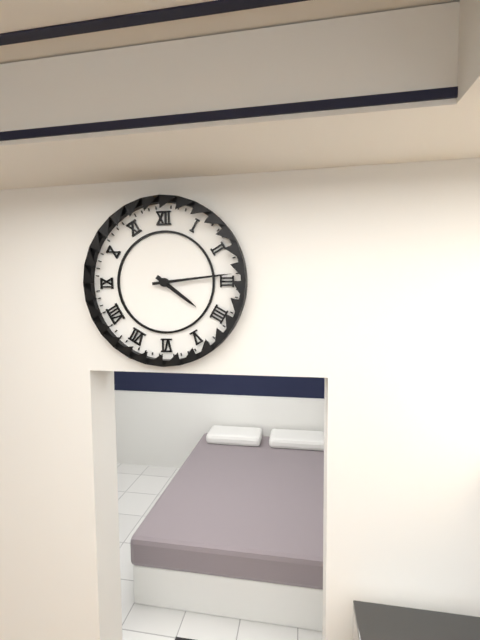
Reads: 4:14
